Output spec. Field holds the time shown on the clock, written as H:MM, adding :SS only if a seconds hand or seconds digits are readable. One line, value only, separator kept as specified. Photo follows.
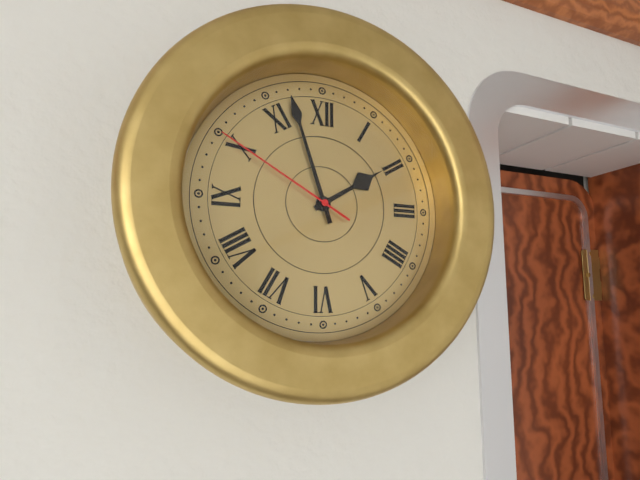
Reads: 1:57:50
